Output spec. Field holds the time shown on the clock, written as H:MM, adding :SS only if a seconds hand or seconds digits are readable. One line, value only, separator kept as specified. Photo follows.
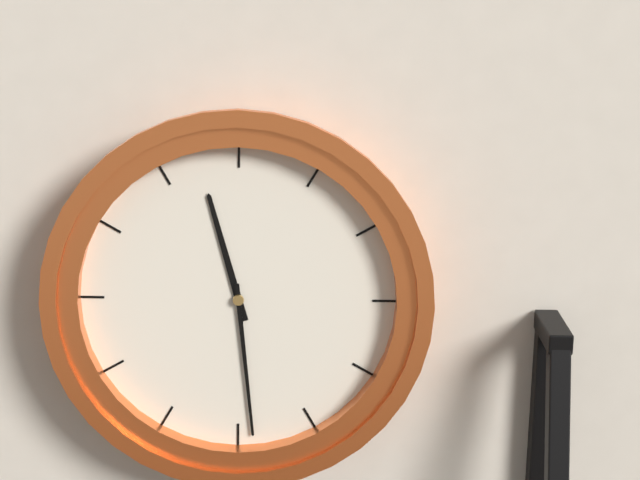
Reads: 11:29
